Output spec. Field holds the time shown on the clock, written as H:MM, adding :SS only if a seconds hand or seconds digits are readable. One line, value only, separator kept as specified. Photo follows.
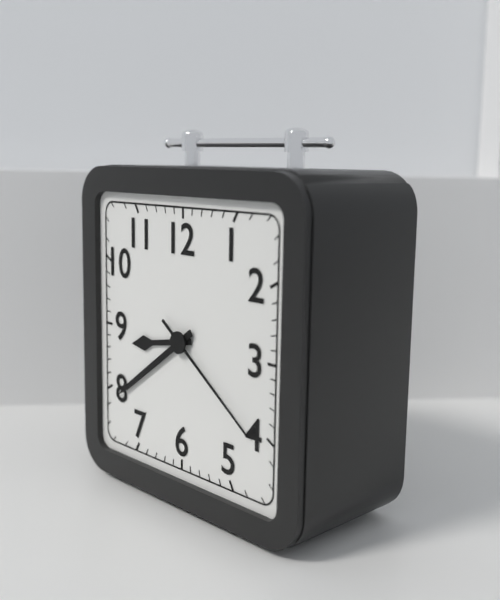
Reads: 8:39:21
